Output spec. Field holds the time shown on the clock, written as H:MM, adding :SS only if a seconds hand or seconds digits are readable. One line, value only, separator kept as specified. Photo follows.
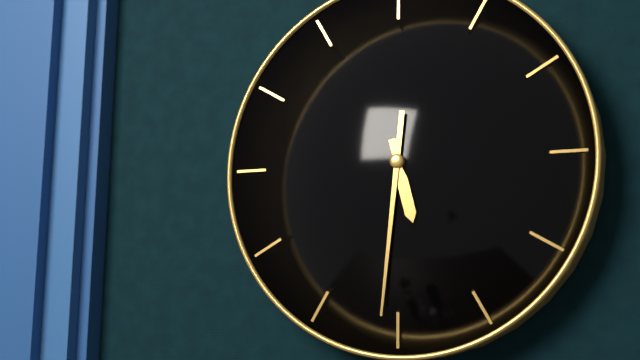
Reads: 5:31
